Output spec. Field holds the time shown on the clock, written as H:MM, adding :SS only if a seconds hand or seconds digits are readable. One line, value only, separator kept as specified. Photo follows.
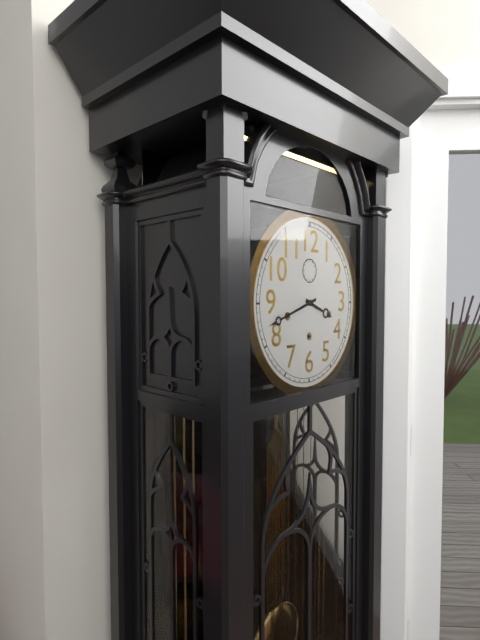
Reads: 3:42
